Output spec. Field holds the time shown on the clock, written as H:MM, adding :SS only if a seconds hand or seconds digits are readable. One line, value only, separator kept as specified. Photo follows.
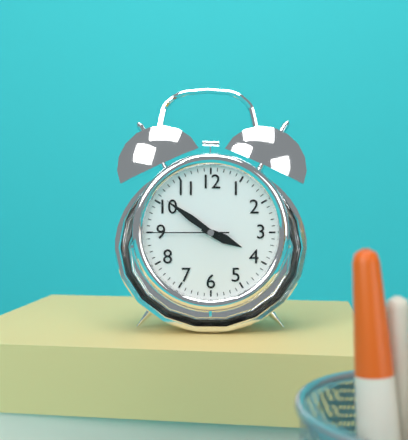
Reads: 3:51:45
